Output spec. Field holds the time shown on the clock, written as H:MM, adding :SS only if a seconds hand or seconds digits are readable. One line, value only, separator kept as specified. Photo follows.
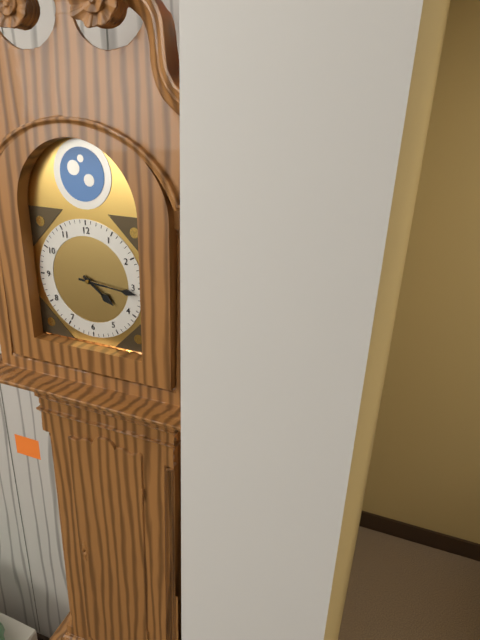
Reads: 4:16
